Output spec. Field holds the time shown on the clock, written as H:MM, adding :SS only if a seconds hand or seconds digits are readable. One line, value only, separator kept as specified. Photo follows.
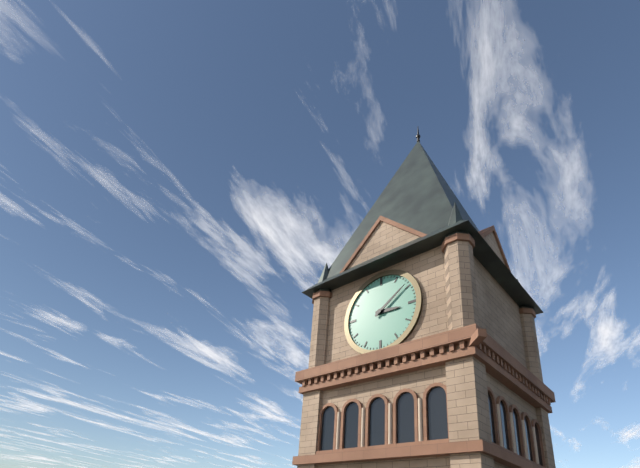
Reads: 3:09
